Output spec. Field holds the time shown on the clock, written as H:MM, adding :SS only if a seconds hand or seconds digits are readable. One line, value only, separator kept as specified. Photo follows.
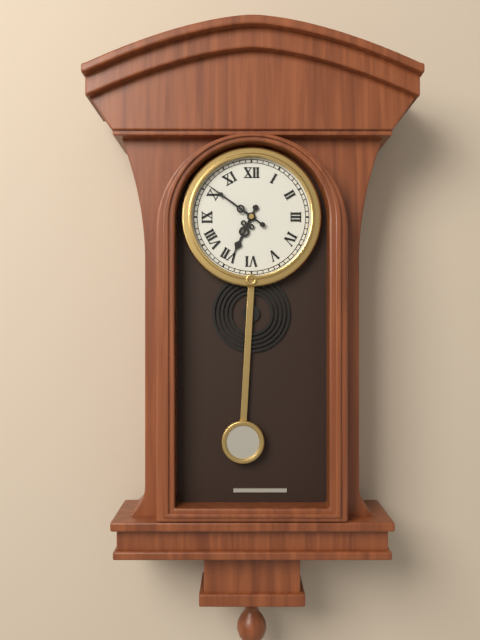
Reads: 6:51
